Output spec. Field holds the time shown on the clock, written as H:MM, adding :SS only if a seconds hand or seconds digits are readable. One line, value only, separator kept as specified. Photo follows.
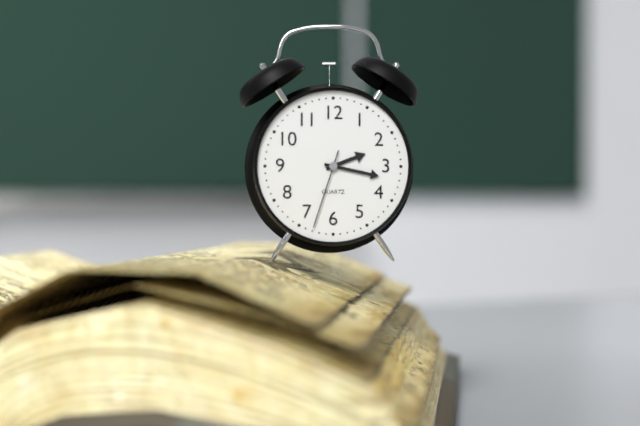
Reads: 2:17:33
